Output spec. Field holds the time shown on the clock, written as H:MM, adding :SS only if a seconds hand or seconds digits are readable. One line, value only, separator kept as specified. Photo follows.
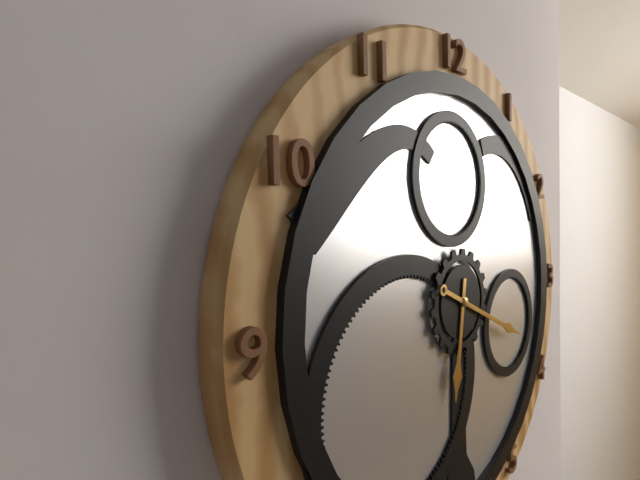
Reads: 6:19
